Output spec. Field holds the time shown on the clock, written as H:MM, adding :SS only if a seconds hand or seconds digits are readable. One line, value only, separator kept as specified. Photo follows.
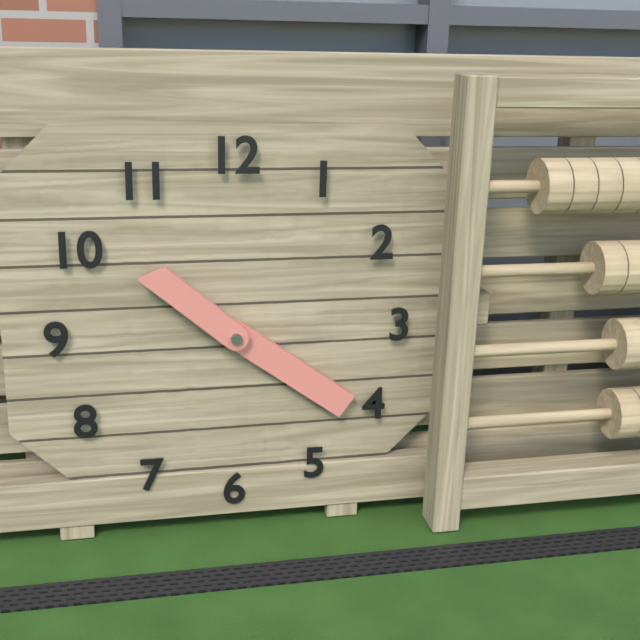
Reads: 10:21
